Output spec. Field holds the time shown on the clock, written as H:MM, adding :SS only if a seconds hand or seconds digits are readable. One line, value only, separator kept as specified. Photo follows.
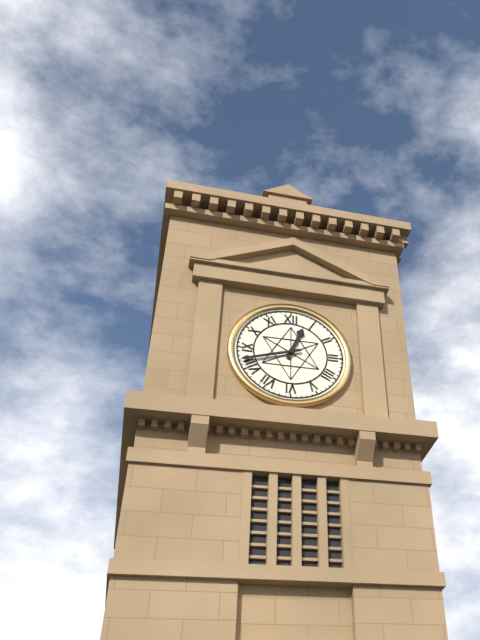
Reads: 12:42
